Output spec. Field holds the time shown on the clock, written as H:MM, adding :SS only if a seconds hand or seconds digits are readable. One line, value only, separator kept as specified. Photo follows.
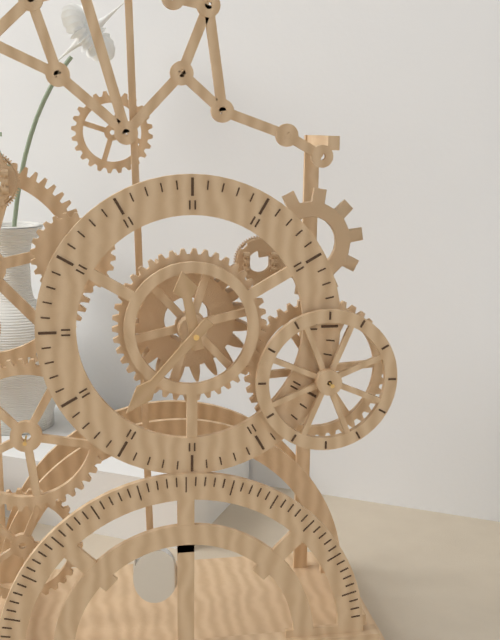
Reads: 11:37
